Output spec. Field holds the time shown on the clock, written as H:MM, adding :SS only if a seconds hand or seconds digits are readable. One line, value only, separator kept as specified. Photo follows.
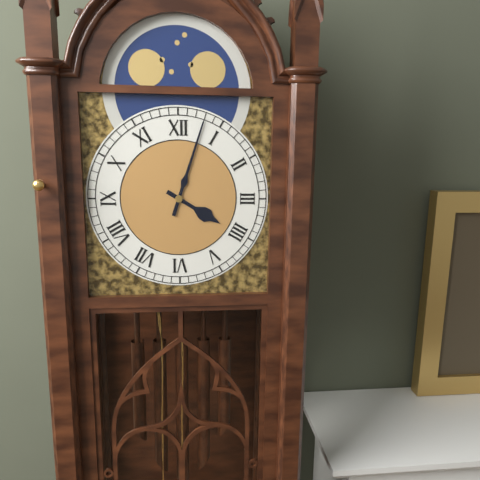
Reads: 4:03
